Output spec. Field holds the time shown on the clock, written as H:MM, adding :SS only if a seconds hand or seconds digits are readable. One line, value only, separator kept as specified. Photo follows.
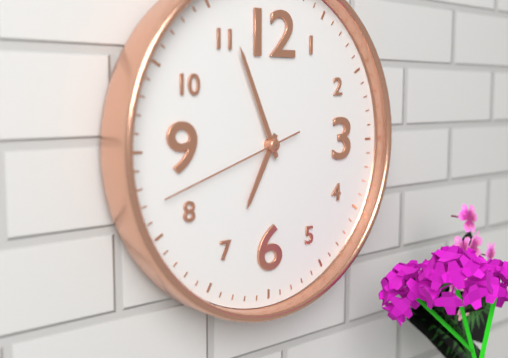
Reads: 6:56:42
